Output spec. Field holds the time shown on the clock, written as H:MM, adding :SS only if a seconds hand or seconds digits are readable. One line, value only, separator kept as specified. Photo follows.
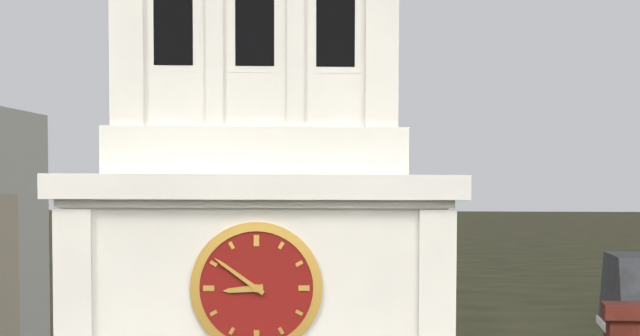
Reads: 8:51
